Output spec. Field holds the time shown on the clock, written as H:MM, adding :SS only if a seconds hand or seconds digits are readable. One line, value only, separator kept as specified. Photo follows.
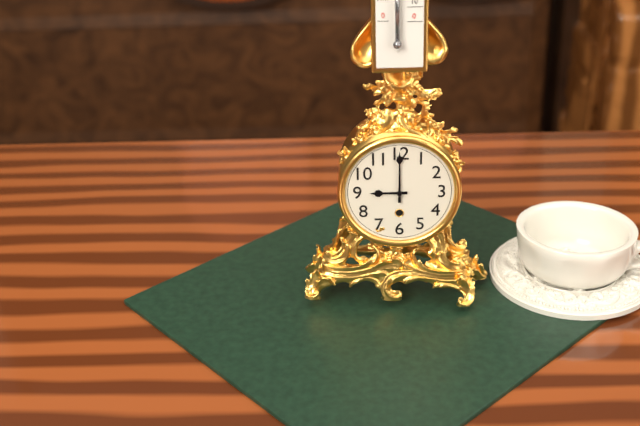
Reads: 9:00
